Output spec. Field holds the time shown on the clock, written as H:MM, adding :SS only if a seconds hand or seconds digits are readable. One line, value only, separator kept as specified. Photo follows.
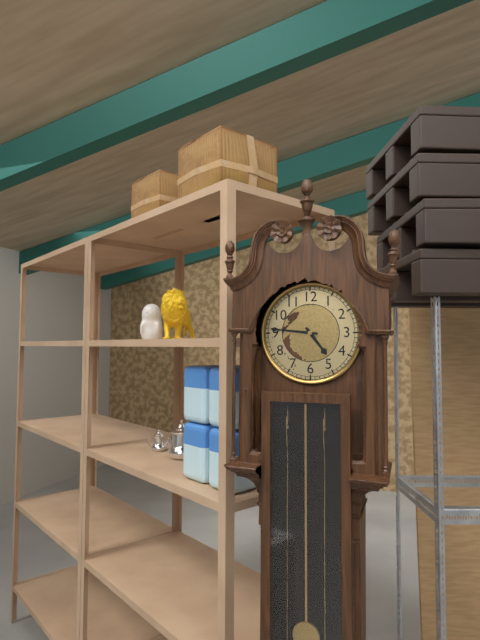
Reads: 4:46
